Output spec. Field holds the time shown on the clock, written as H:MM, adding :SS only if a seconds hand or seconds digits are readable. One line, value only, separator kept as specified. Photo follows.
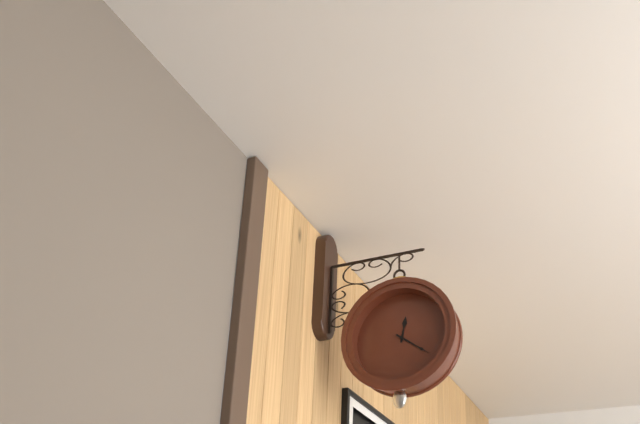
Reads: 12:21
